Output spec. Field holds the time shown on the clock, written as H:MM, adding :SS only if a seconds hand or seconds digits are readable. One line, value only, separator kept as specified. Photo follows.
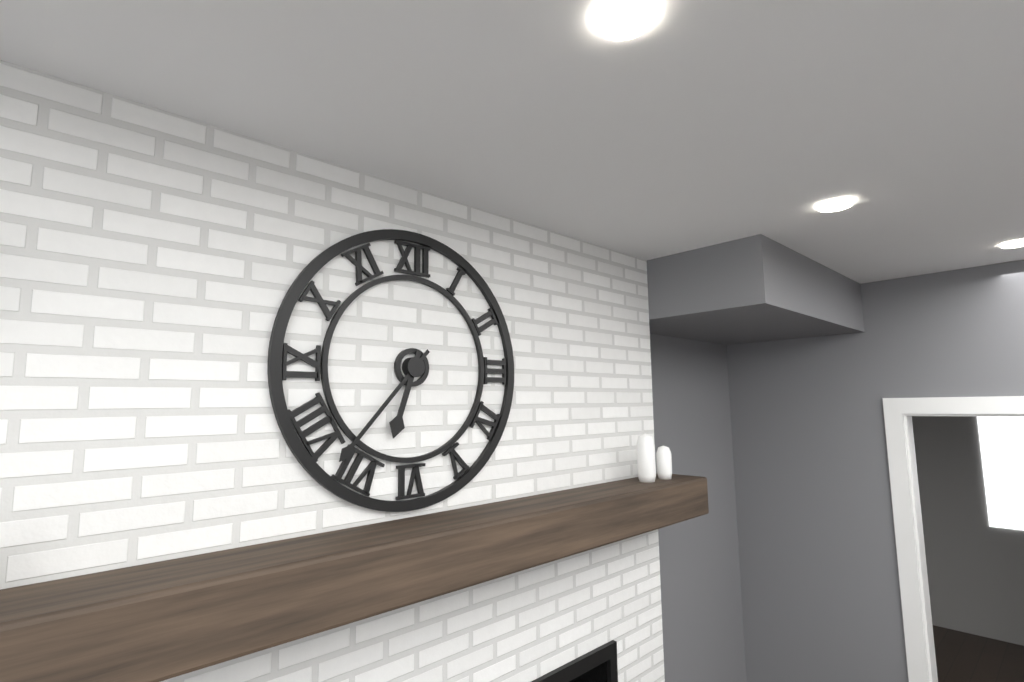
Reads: 6:37
